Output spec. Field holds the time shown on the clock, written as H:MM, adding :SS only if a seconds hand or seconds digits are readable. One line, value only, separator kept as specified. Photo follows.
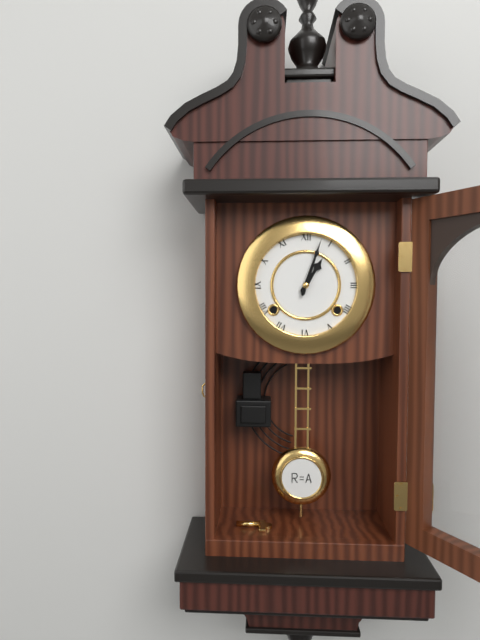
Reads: 1:03
